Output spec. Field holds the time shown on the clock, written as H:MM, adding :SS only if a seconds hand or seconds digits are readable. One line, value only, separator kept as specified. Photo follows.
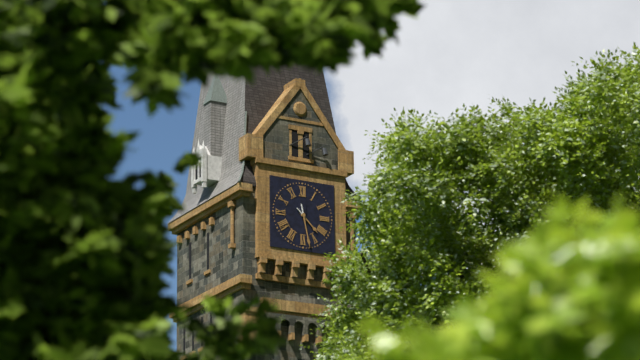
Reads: 4:28
